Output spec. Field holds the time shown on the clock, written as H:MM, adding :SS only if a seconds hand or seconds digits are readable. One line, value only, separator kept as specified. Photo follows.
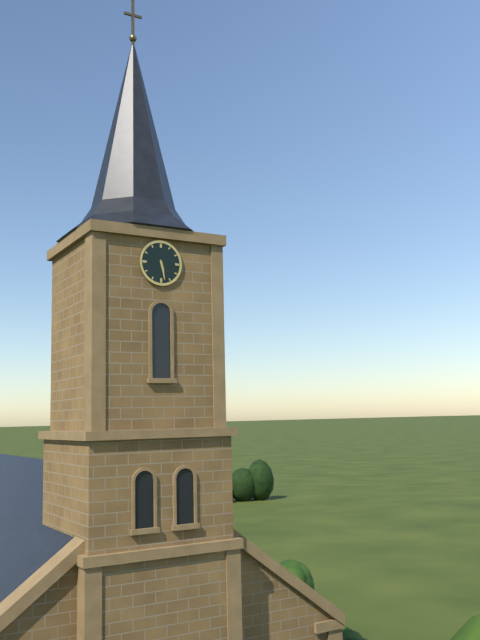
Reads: 5:28
